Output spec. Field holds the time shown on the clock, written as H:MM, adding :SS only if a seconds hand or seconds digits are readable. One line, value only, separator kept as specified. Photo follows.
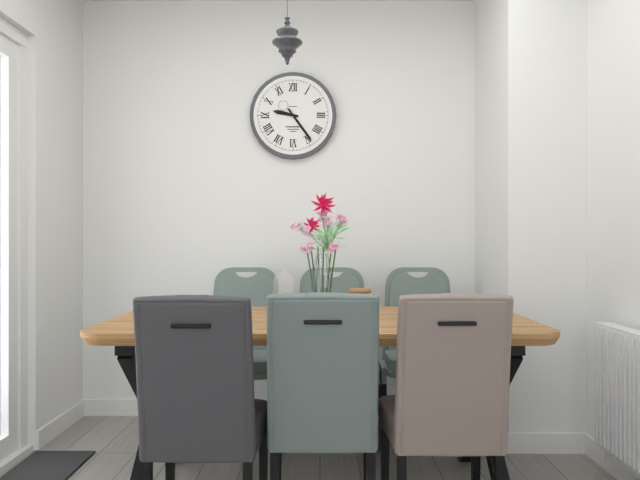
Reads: 9:24
